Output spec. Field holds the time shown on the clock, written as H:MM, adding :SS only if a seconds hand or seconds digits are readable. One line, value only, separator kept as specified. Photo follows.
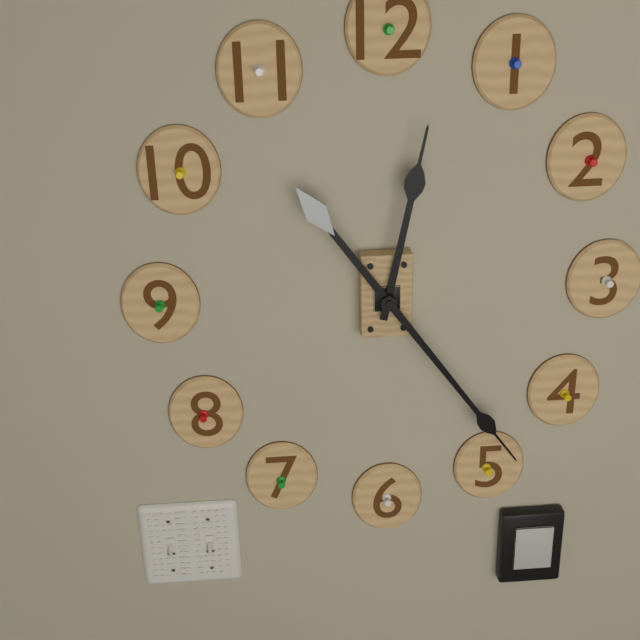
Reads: 12:24
